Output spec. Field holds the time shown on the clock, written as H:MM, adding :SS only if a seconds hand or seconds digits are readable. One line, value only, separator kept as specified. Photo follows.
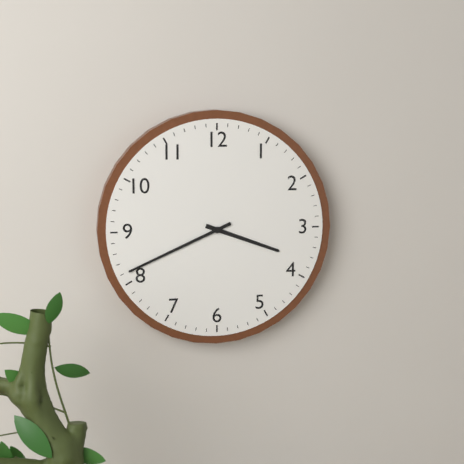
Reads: 3:41
